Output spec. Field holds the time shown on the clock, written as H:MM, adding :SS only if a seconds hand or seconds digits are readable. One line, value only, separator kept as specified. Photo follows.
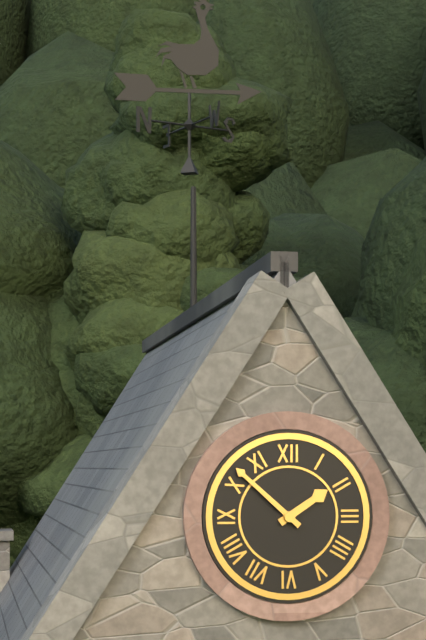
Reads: 1:52
